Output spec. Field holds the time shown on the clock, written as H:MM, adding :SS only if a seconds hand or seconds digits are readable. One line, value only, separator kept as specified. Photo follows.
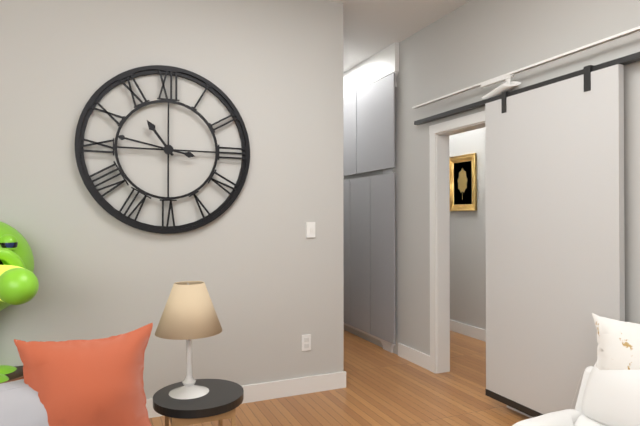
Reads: 10:47
